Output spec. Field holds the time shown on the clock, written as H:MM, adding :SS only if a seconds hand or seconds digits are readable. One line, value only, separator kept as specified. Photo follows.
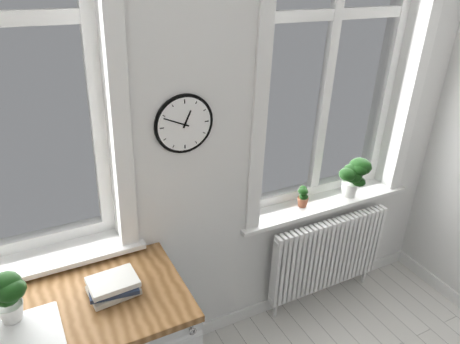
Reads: 12:49
